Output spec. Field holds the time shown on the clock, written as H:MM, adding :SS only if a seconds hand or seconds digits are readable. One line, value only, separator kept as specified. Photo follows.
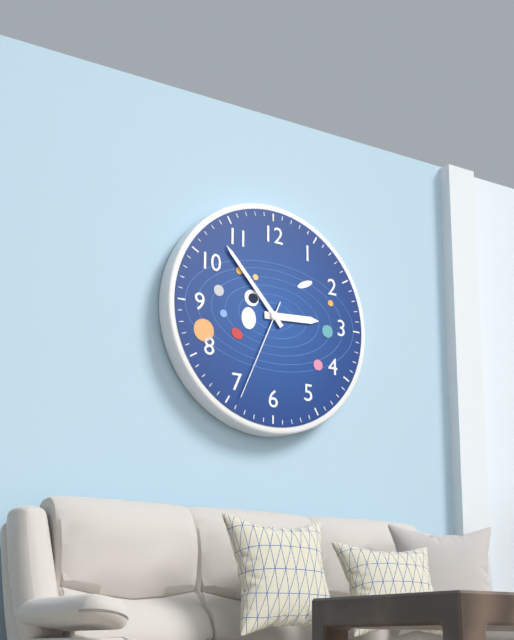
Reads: 2:53:34
